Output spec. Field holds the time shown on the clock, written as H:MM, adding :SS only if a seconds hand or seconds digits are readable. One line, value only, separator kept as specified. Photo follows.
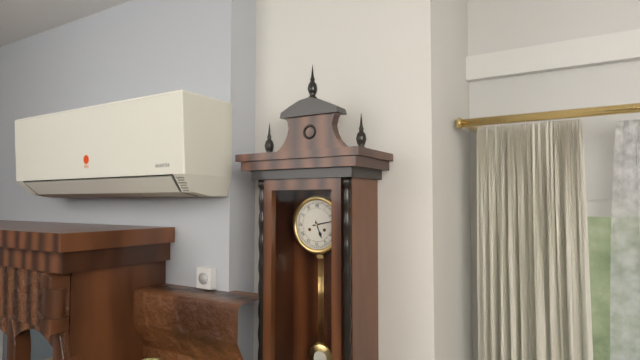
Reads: 5:13
